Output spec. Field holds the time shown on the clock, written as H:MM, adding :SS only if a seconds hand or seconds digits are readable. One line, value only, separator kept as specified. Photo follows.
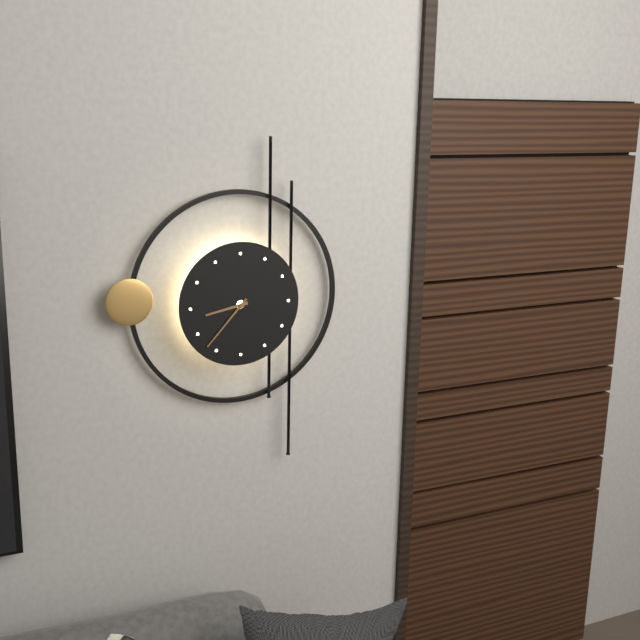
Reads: 8:37
